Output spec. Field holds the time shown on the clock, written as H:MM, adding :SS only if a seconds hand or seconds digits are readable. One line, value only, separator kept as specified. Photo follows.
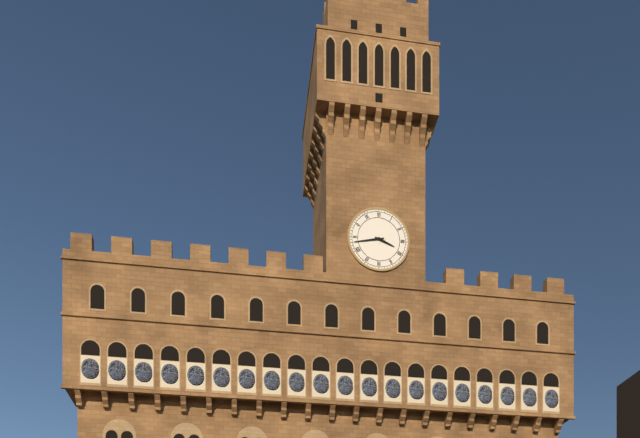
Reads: 3:43
